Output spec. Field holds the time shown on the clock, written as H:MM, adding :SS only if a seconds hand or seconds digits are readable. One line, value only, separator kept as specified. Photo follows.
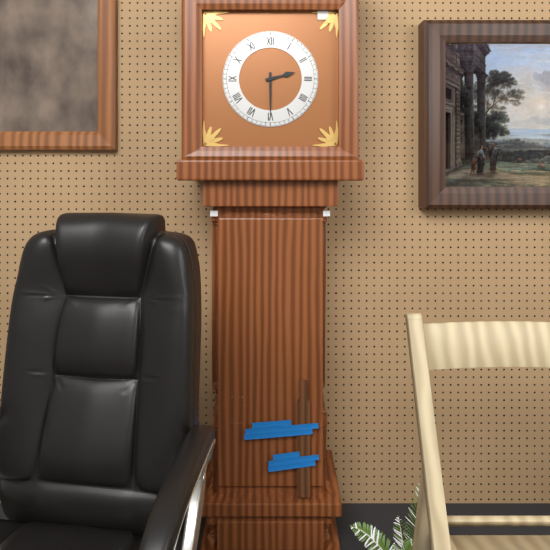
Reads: 2:30
